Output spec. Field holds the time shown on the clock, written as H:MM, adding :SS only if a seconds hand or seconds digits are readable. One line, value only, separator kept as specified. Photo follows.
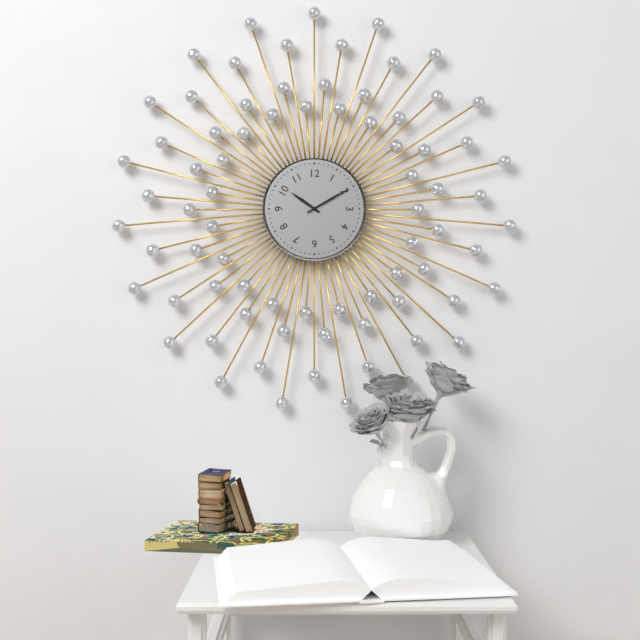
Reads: 10:10
